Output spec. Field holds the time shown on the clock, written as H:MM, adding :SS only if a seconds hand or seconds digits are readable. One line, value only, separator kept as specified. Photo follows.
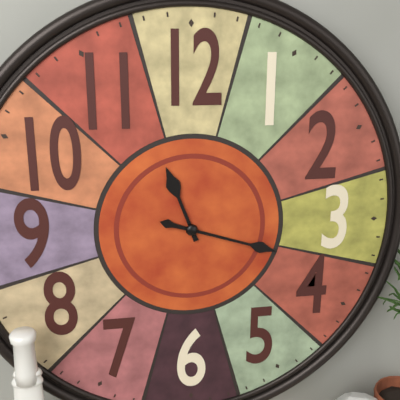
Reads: 11:18
